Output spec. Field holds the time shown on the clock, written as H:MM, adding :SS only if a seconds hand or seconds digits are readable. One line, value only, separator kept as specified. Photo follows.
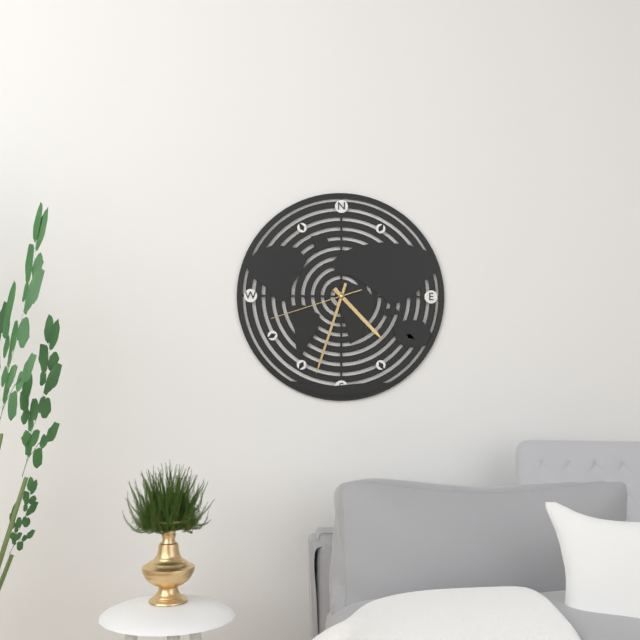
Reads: 4:33:42
